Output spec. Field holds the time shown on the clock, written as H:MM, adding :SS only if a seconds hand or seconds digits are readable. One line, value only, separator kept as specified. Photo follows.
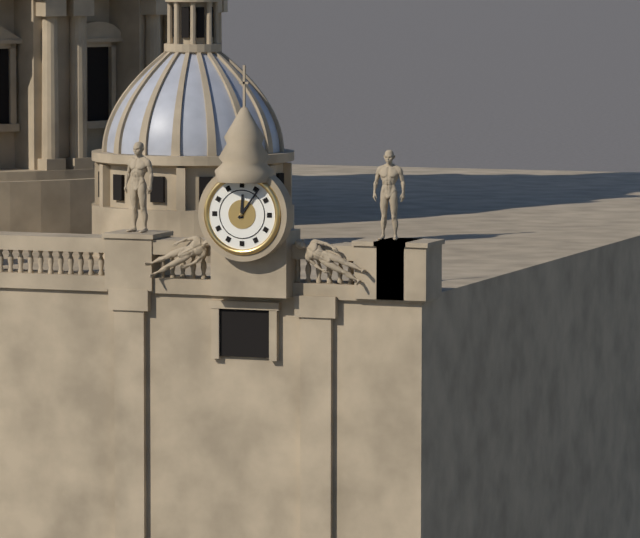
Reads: 12:06
